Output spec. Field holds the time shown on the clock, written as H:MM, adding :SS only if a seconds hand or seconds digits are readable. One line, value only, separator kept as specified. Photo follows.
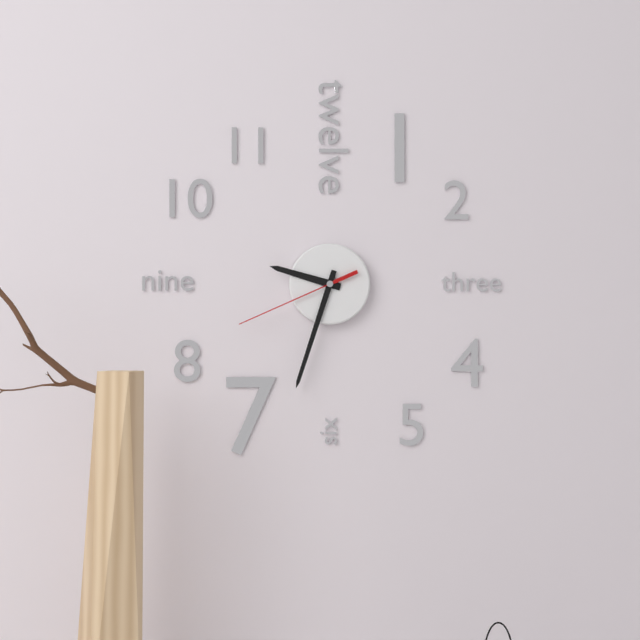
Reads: 9:33:41
